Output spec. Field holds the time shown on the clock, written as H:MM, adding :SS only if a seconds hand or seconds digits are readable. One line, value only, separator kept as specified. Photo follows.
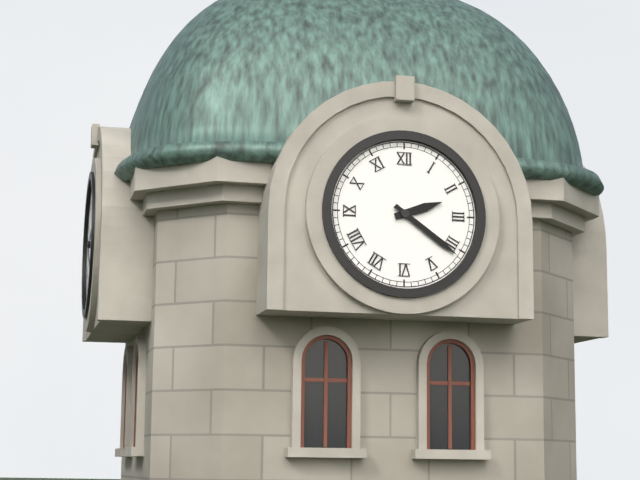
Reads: 2:21
